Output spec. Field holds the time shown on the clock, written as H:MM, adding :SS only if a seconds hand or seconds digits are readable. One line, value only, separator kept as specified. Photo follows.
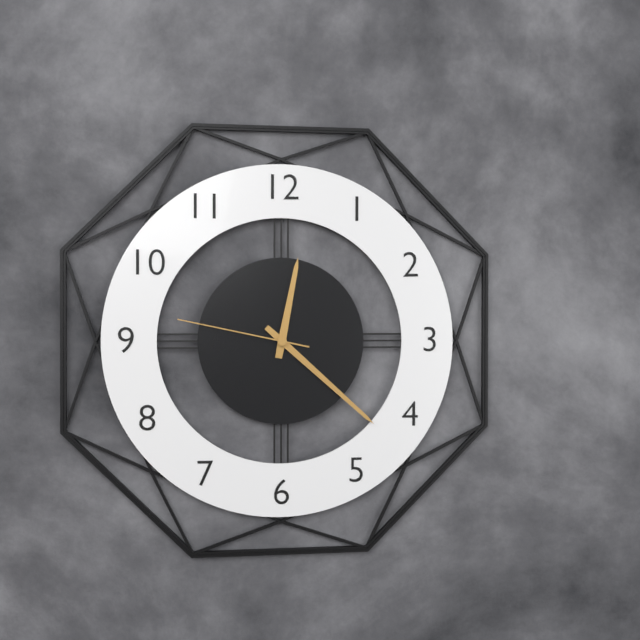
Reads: 12:22:47
